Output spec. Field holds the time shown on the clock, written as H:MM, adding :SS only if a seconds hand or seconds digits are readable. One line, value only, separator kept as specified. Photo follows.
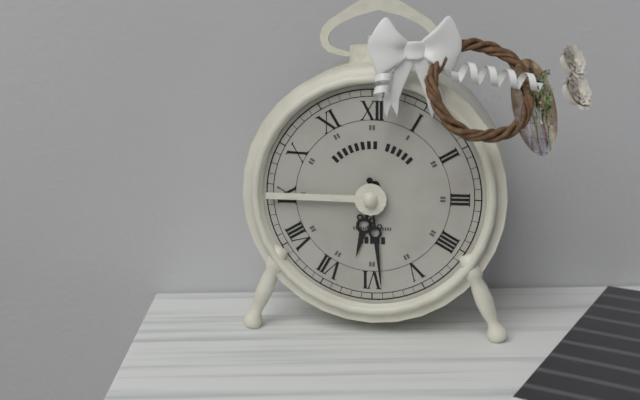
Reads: 6:29
